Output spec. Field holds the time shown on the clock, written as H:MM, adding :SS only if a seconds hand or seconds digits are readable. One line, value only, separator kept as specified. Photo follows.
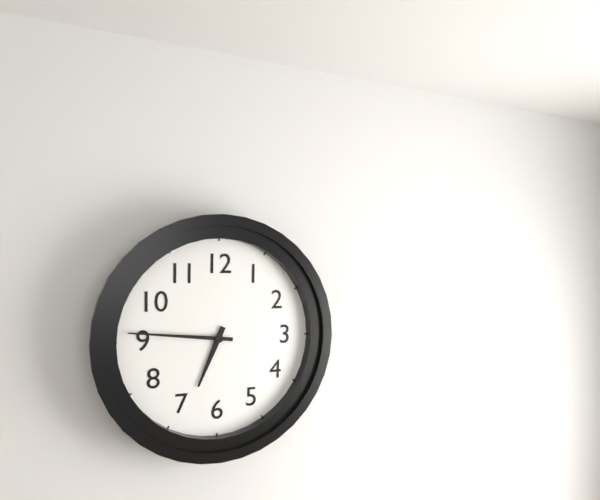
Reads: 6:46
